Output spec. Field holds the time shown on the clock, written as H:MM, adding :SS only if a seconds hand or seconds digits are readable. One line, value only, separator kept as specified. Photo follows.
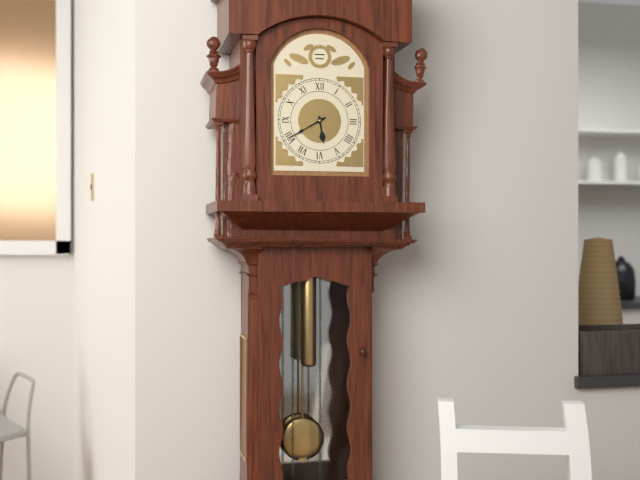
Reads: 5:40
